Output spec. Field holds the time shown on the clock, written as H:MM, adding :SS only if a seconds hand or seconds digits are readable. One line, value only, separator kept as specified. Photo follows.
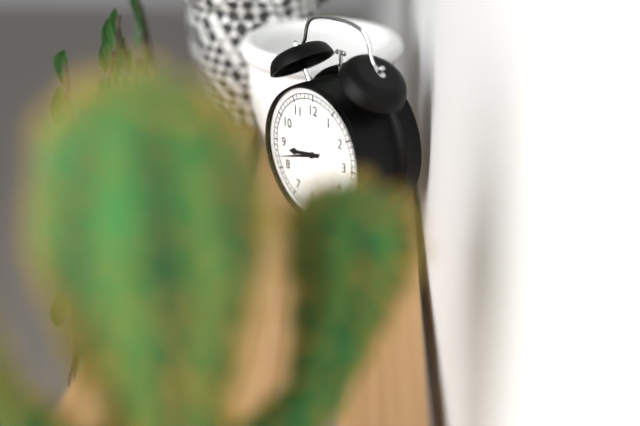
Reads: 8:42
